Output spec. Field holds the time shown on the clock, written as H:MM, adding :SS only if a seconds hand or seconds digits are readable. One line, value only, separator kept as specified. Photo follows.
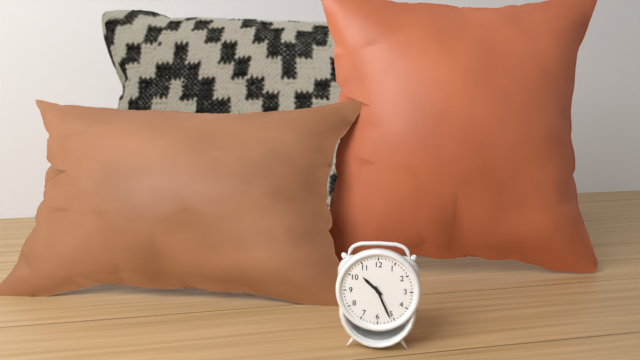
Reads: 10:26
